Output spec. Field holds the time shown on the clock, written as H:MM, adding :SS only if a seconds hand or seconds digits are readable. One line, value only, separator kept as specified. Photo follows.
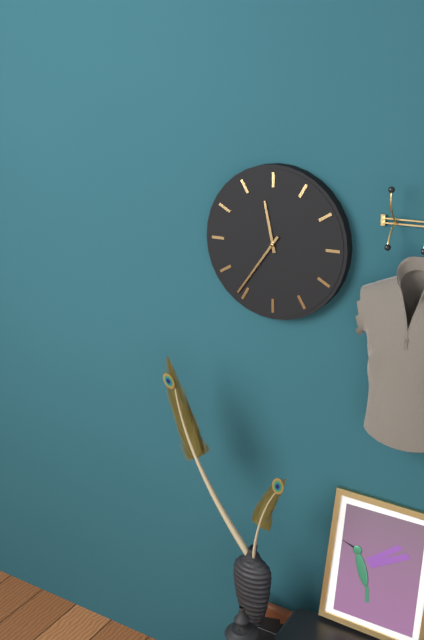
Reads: 11:36
